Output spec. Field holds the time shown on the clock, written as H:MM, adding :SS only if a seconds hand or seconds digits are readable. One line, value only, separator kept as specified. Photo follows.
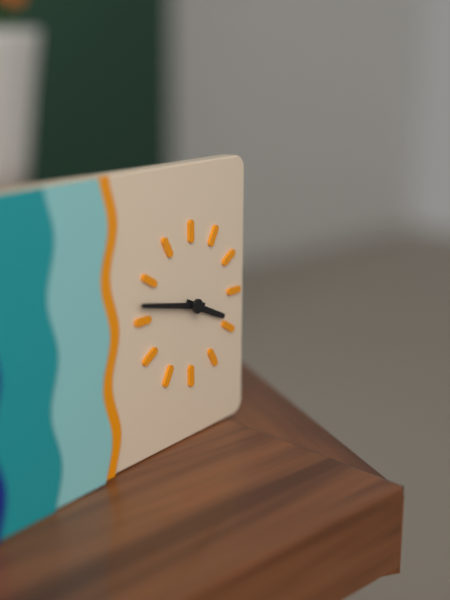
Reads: 3:47
